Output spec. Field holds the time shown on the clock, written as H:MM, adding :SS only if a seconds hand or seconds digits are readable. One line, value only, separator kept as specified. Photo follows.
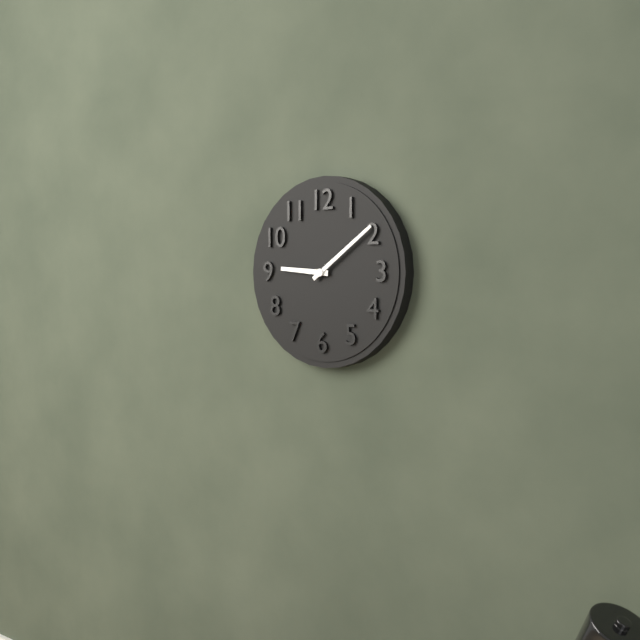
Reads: 9:09
